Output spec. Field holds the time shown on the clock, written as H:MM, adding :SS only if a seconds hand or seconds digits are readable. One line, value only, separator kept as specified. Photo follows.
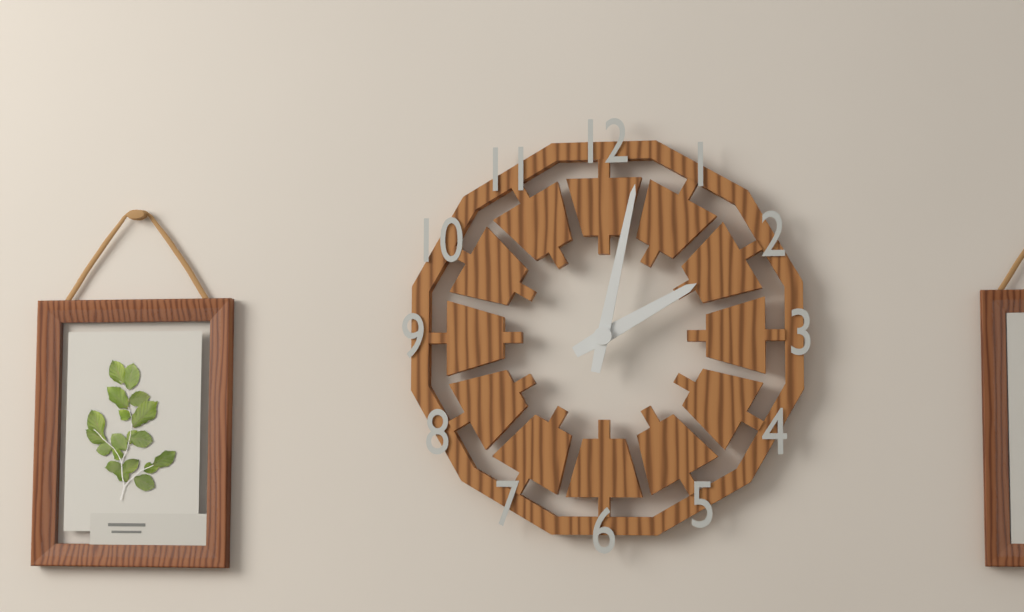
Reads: 2:02
